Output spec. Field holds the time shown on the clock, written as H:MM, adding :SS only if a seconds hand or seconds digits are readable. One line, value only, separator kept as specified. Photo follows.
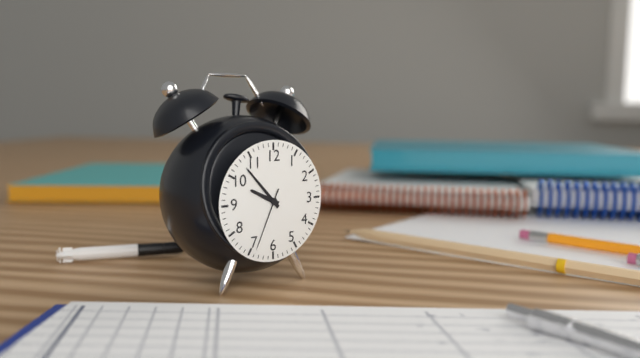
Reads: 9:53:34
